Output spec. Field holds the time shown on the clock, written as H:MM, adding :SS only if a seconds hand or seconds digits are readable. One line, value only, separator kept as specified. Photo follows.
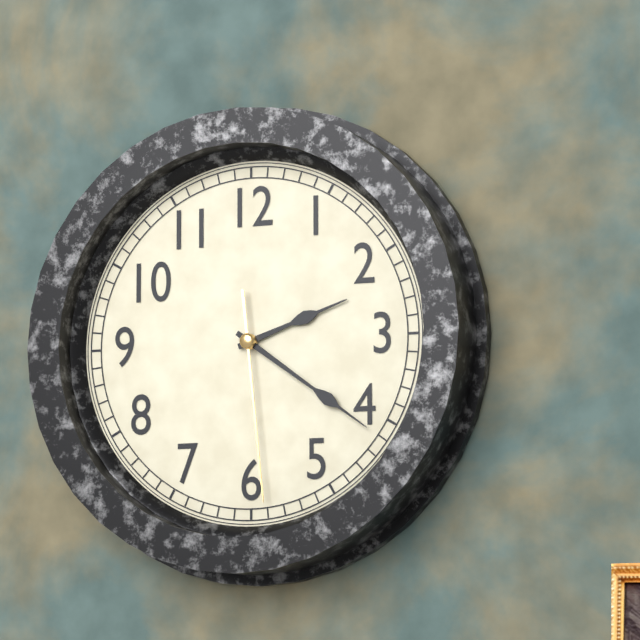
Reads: 2:21:29
